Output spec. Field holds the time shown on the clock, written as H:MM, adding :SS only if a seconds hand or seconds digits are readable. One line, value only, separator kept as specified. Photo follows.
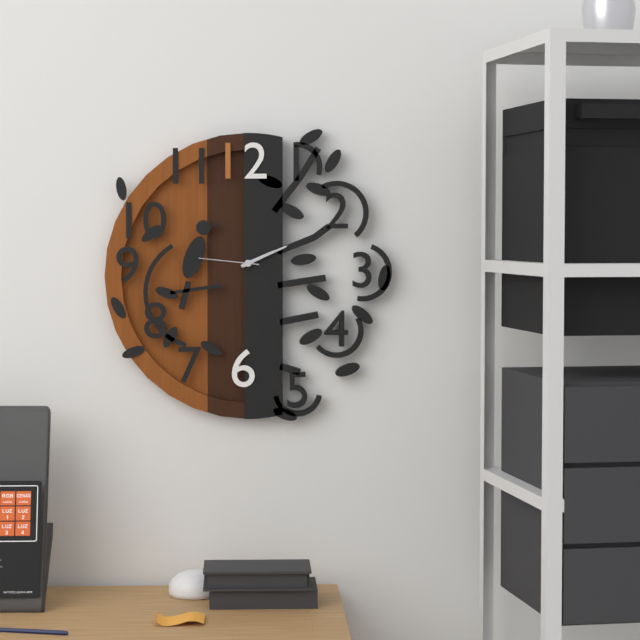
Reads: 2:11:46
